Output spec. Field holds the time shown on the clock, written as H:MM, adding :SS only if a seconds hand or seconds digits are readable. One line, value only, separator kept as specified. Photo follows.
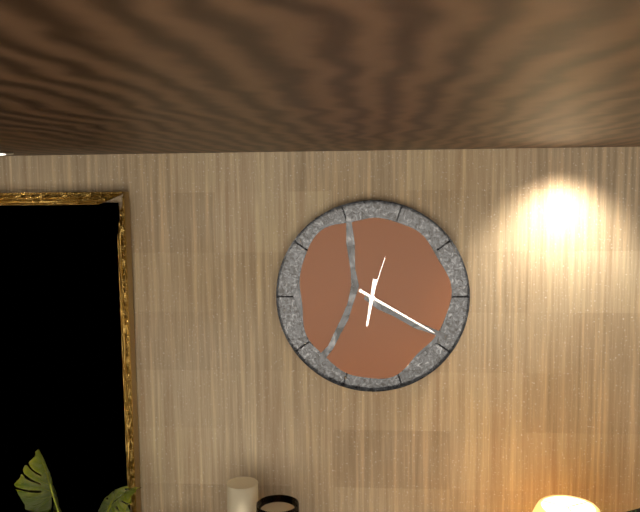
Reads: 6:20:03
